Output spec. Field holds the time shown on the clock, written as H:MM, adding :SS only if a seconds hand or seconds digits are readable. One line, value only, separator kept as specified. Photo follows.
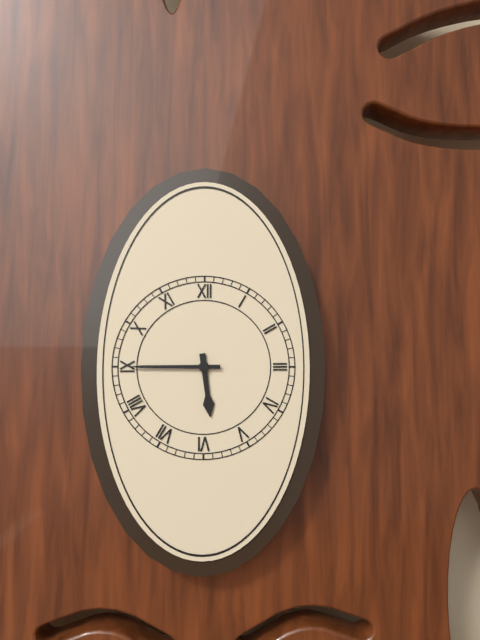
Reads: 5:45
